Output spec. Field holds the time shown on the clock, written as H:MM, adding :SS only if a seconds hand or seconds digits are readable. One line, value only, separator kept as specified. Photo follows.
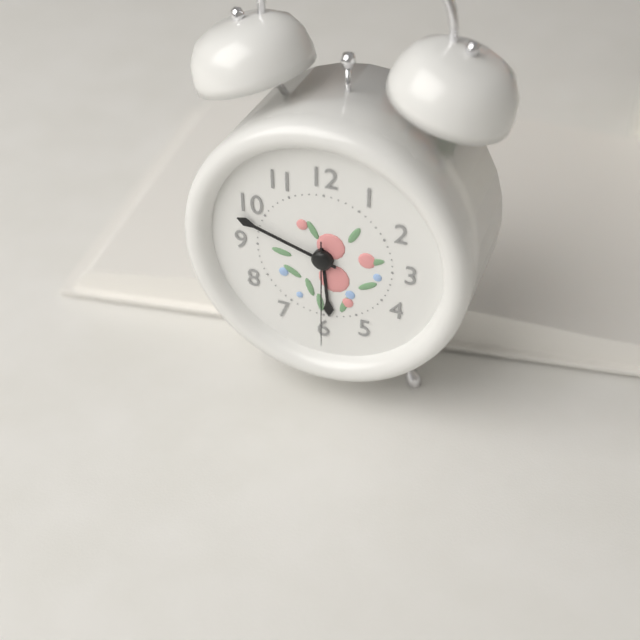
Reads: 5:48:30
